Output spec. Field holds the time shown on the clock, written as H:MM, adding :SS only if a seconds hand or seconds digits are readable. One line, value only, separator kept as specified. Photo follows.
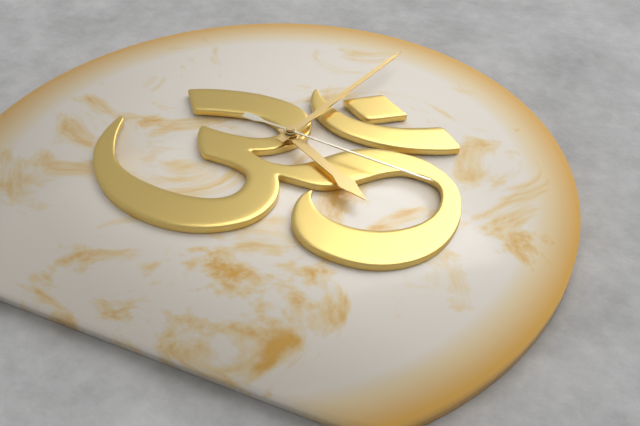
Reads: 4:02:16
